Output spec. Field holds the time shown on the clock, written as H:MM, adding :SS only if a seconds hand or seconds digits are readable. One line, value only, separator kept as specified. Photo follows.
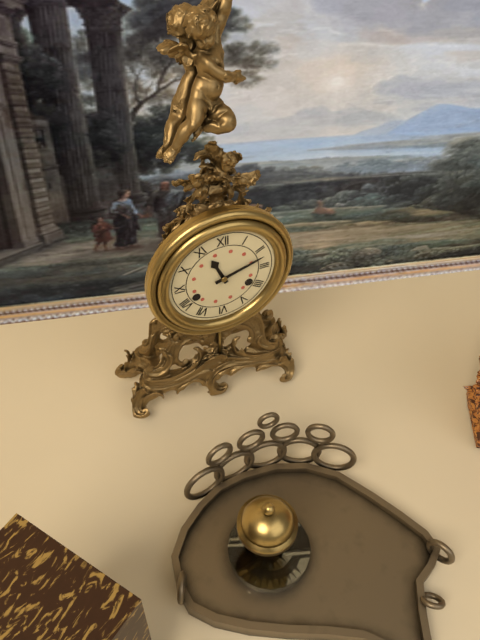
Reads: 11:12
